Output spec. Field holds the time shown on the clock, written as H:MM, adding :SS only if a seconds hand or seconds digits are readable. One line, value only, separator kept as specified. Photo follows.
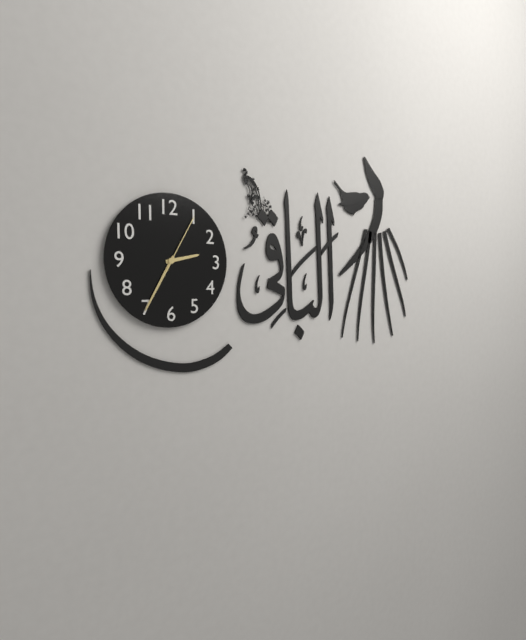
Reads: 2:35:05
